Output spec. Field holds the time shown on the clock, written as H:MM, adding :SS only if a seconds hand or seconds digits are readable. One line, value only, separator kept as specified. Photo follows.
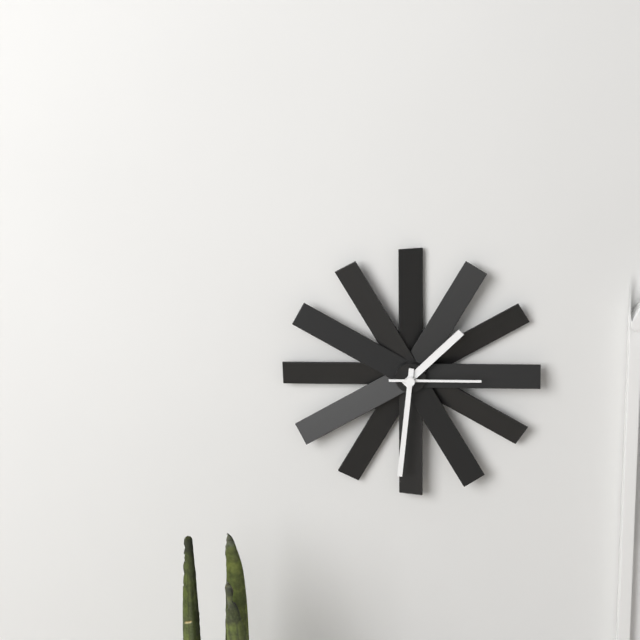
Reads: 1:31:15
